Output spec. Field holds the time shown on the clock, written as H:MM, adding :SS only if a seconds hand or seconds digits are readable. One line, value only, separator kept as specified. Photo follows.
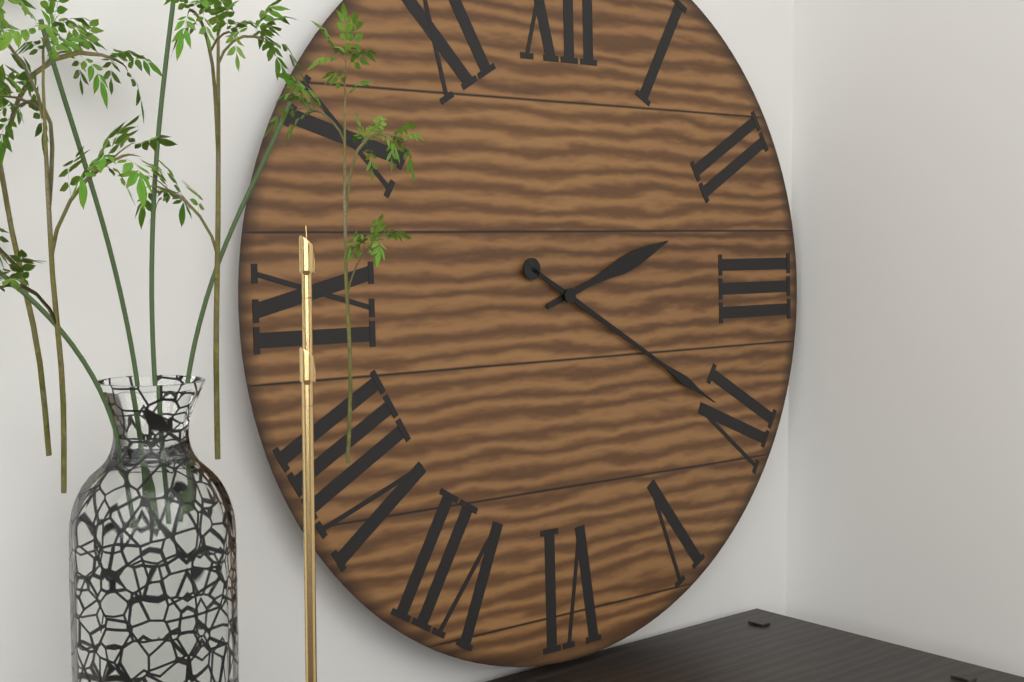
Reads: 2:20
